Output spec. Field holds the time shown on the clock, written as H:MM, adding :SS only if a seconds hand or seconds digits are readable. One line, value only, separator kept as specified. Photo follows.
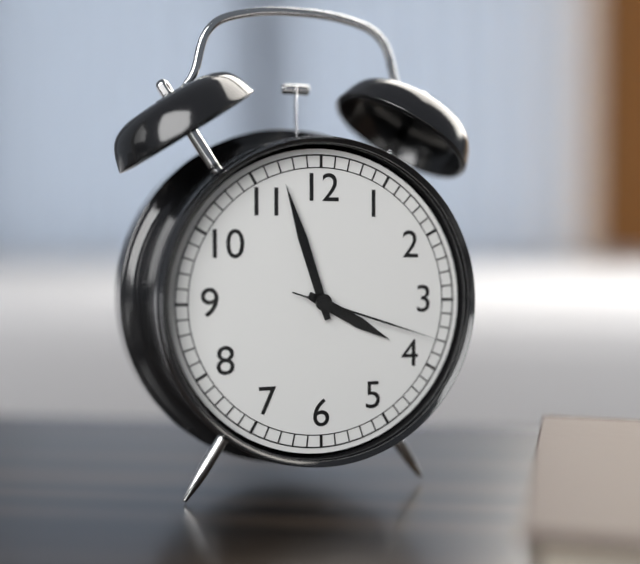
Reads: 3:57:18
